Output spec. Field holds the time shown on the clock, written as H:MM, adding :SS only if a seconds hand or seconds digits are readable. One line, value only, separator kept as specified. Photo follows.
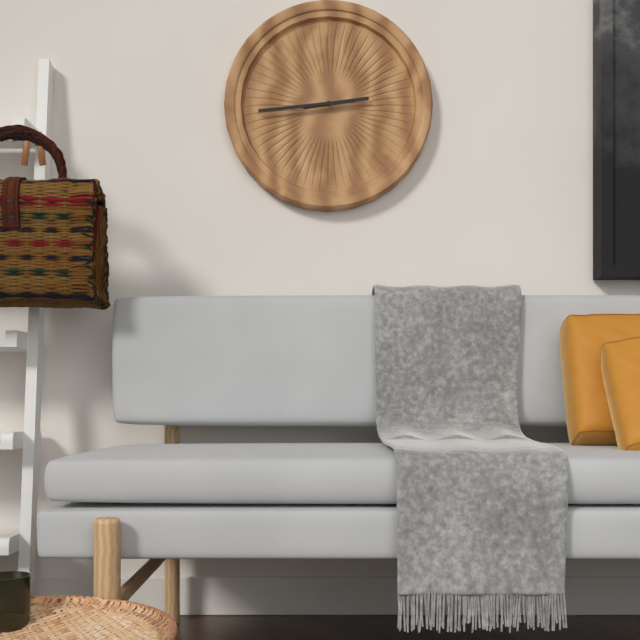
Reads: 2:44
